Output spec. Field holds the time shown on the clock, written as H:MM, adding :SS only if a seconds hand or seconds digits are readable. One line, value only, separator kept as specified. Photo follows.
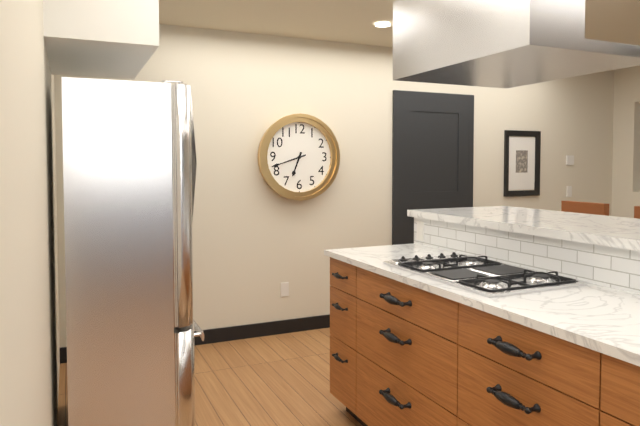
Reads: 6:42
